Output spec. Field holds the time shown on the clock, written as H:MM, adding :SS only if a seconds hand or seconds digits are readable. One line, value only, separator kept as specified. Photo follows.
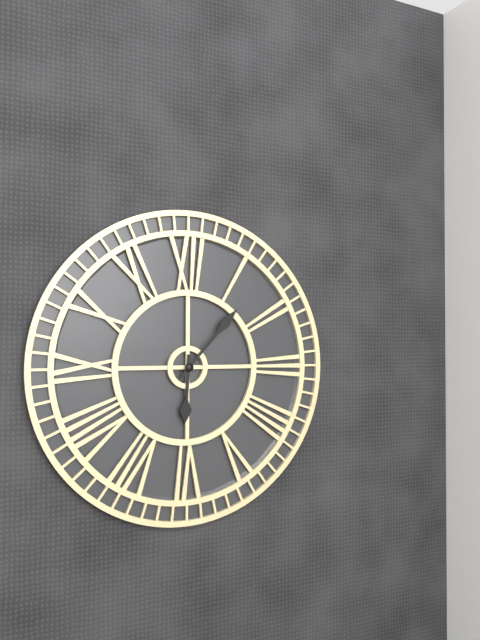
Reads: 6:07
